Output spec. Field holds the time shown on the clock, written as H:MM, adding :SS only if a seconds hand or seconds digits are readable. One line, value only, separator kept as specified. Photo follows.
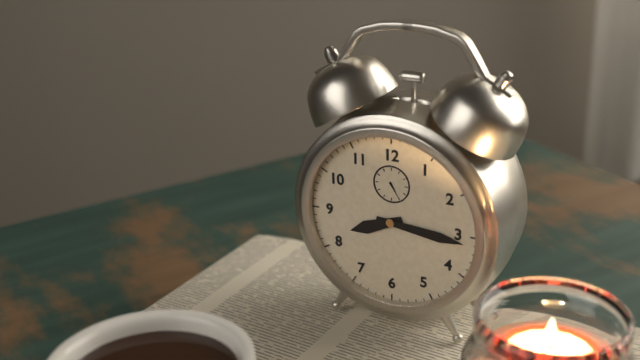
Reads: 8:16
